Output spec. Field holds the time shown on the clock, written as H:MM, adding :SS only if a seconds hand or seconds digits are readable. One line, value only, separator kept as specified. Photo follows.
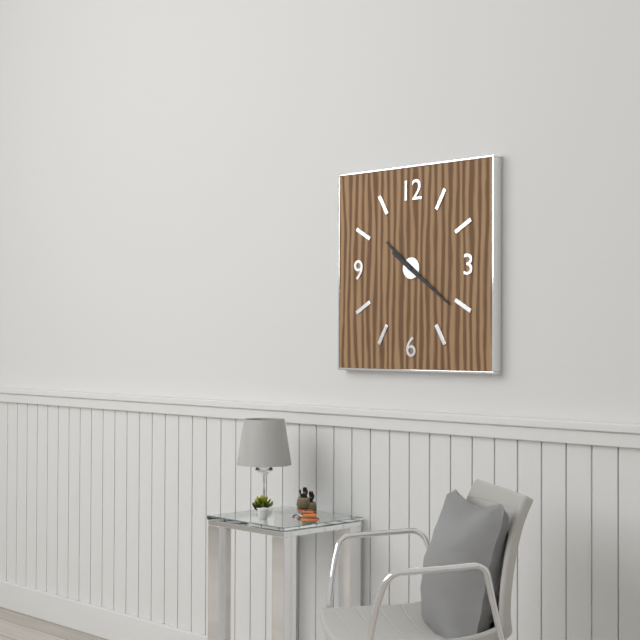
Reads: 10:21
